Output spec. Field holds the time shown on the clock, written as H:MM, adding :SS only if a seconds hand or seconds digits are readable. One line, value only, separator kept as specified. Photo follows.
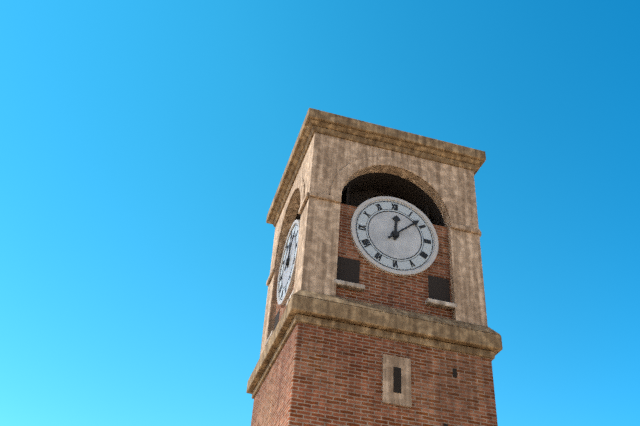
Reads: 12:08
